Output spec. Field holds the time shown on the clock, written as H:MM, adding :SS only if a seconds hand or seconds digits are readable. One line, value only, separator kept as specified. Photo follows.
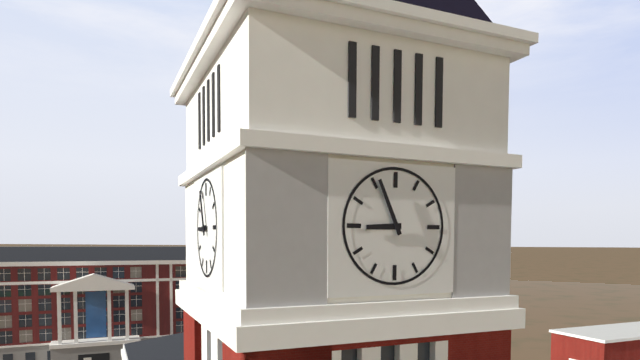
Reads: 8:56
